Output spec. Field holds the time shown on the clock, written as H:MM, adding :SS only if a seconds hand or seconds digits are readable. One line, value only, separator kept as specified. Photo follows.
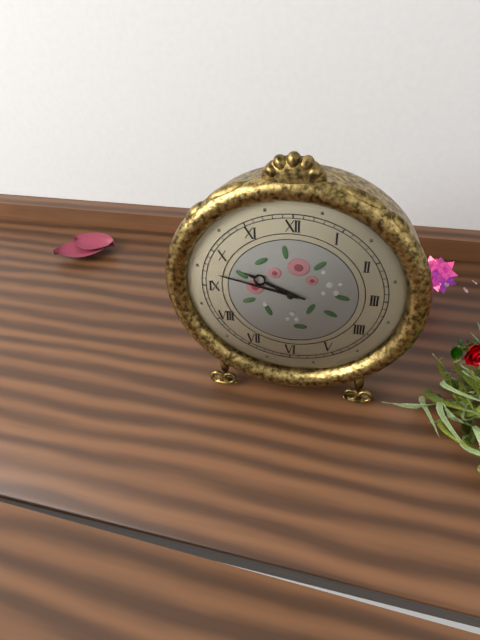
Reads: 9:47
